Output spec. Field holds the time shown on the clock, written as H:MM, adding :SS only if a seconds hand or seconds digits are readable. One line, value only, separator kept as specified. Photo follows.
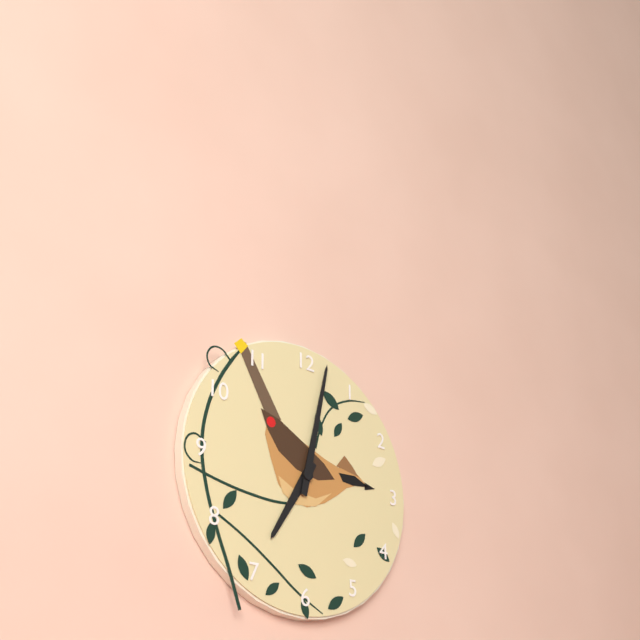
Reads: 7:02
